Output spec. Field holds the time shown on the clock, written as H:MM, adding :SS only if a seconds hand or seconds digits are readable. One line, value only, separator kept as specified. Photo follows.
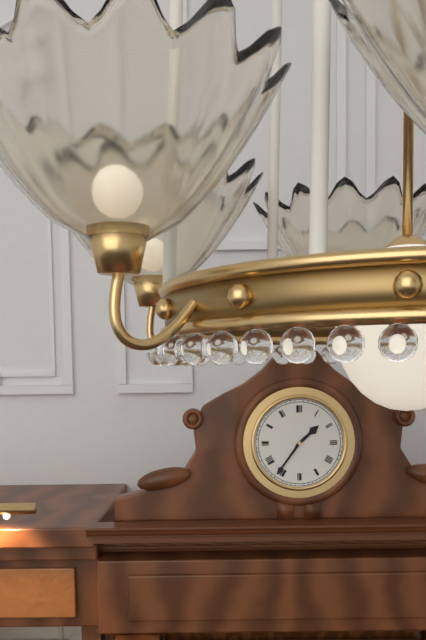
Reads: 1:36
